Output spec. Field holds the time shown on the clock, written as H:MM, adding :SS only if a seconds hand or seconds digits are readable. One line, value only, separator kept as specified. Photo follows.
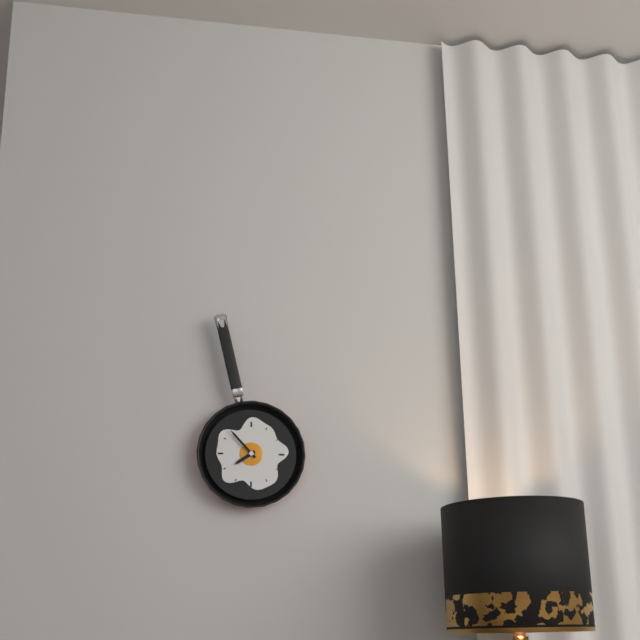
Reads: 7:53
